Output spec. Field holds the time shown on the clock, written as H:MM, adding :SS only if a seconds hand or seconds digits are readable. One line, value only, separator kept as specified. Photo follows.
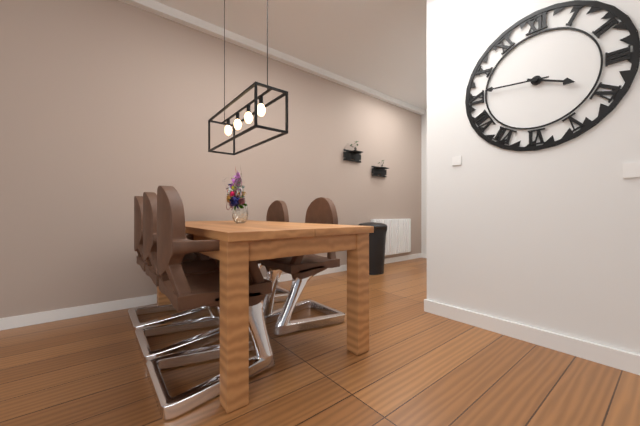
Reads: 3:46
